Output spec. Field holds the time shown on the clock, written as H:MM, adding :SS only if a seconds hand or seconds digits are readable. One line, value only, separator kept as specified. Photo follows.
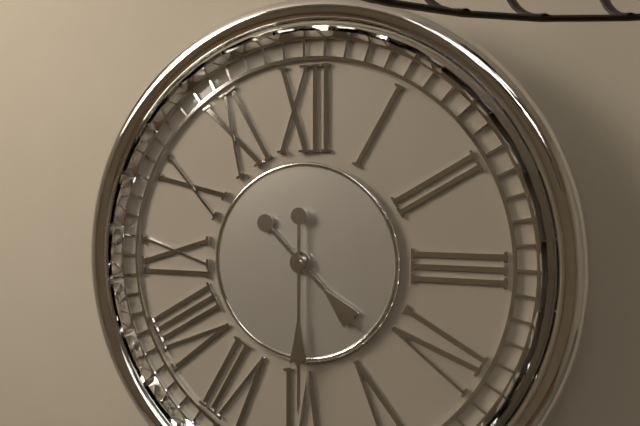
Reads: 4:30
